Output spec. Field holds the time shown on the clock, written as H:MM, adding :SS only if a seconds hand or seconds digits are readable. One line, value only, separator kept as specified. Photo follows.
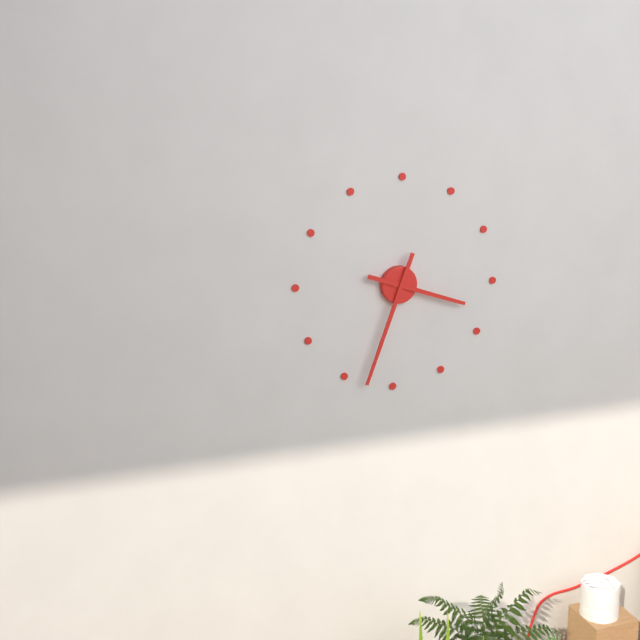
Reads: 3:33
